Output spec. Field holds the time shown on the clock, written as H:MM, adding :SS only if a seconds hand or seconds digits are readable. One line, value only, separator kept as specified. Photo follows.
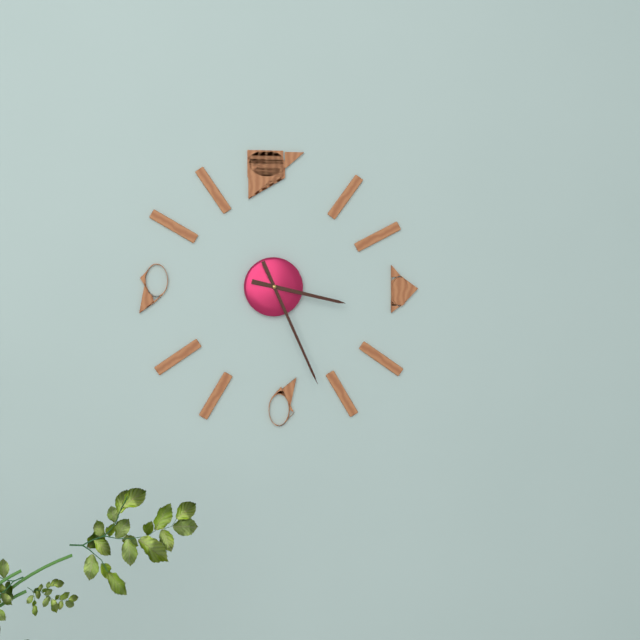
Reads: 3:26
